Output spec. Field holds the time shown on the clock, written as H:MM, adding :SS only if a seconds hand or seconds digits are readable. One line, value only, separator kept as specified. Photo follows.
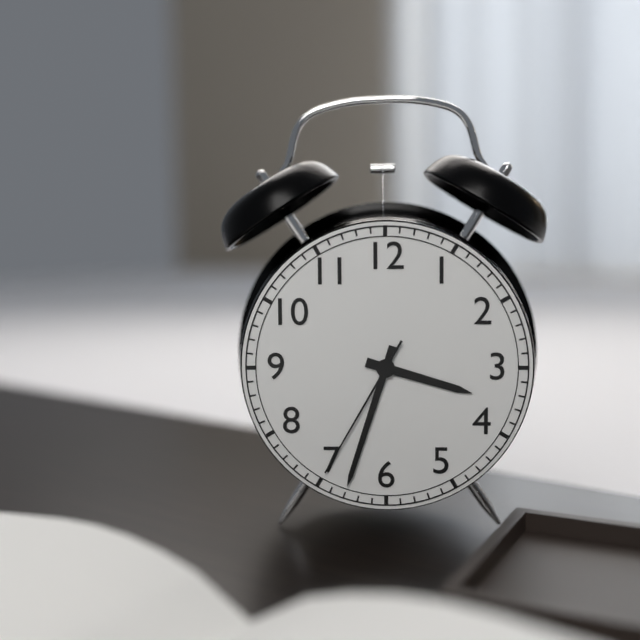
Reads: 3:33:35
